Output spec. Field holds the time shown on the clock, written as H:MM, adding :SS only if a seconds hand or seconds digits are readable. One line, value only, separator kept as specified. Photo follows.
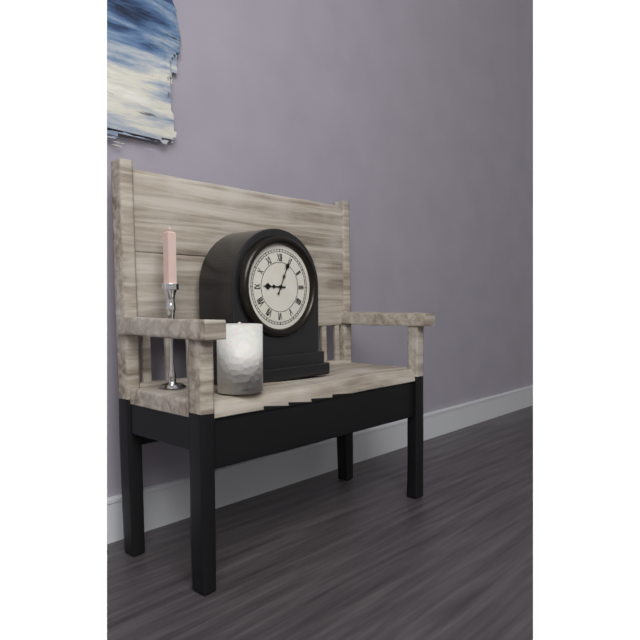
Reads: 9:04
